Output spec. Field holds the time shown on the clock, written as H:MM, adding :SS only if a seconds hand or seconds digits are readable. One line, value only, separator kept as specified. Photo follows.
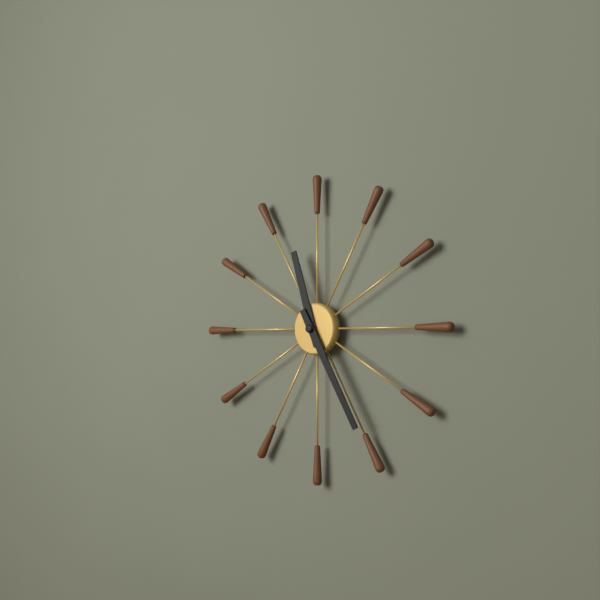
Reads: 11:25
